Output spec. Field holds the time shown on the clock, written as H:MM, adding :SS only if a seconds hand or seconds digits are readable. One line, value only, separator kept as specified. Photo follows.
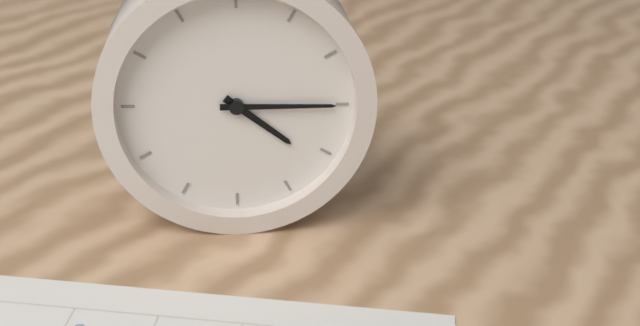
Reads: 4:15
